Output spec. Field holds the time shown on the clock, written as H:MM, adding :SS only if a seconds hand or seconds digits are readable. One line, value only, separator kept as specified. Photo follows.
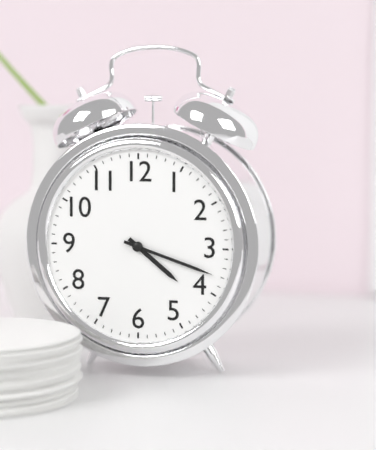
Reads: 4:18
